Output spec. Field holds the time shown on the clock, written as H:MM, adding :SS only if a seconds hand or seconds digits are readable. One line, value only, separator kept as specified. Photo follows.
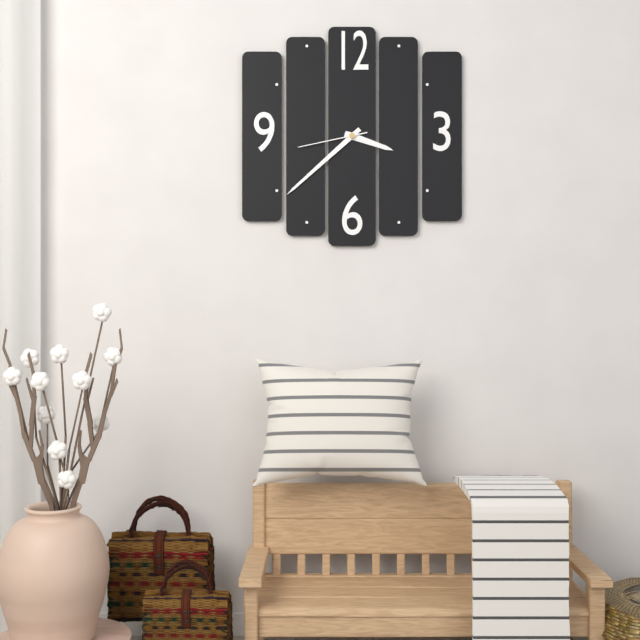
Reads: 3:38:43
